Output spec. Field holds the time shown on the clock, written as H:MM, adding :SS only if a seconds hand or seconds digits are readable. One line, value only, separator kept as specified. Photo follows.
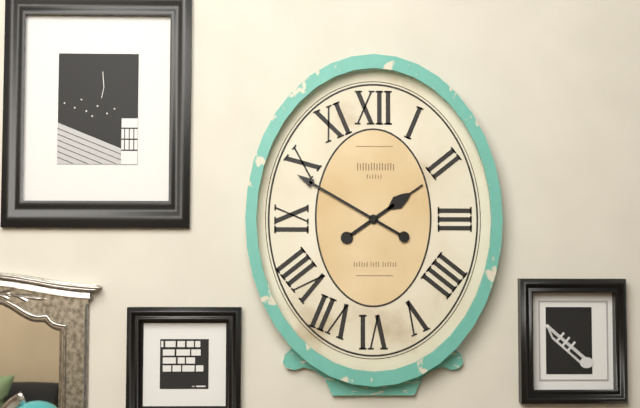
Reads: 1:50
